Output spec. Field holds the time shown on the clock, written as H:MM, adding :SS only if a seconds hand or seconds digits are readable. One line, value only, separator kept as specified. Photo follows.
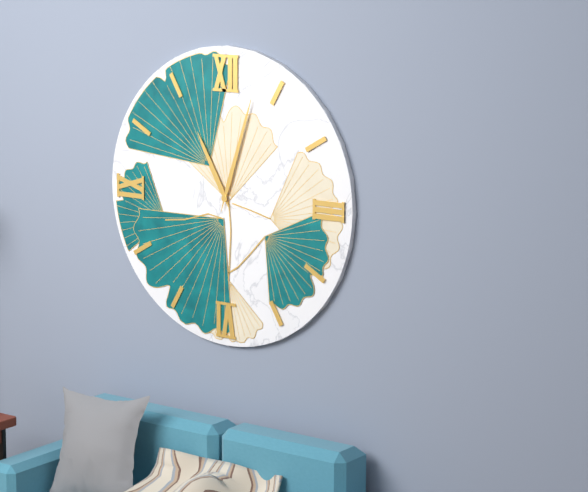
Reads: 11:03
